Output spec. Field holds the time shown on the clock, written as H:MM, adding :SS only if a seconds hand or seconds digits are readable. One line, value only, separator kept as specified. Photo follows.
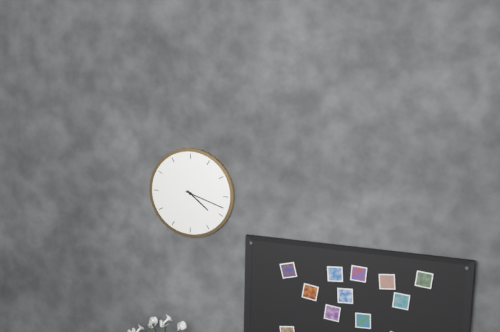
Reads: 4:18
